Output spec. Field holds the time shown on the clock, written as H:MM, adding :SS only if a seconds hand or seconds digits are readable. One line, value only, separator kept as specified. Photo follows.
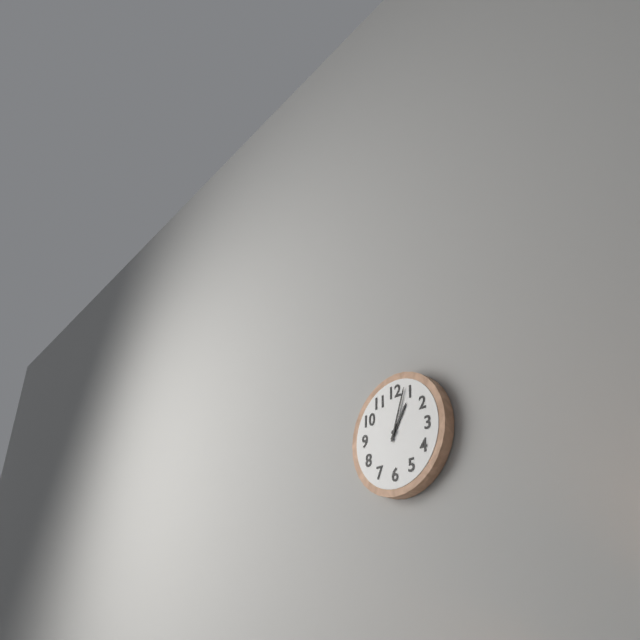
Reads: 1:03
